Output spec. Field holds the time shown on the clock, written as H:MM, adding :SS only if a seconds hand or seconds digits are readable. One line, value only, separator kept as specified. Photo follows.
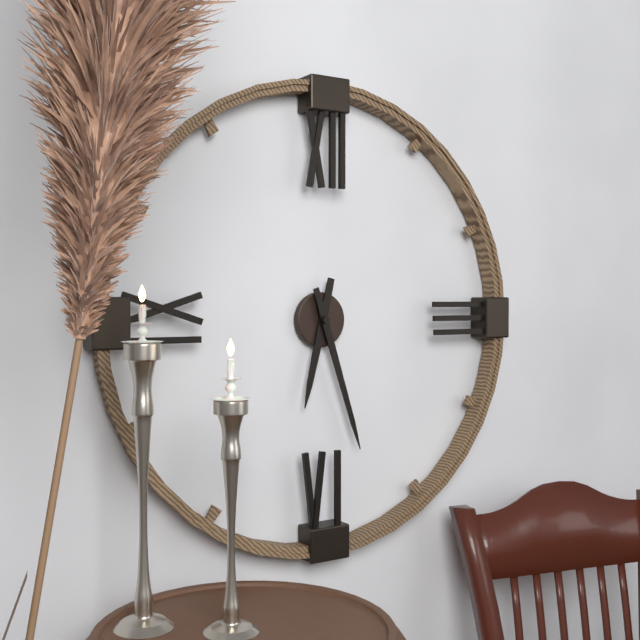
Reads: 6:27
